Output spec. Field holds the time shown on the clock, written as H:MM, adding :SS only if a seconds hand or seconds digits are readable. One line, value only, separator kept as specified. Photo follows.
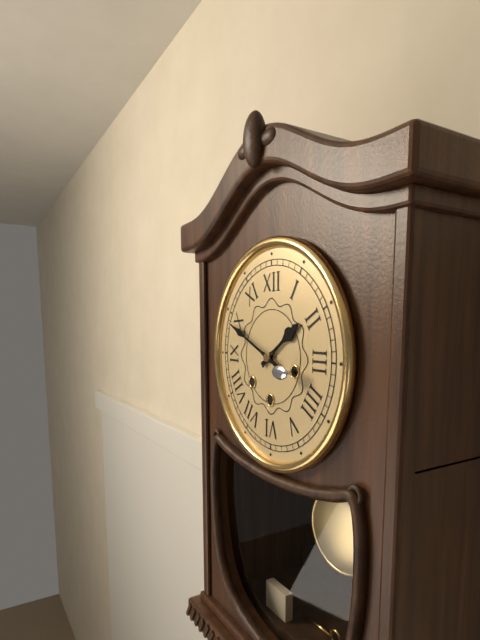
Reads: 1:49
